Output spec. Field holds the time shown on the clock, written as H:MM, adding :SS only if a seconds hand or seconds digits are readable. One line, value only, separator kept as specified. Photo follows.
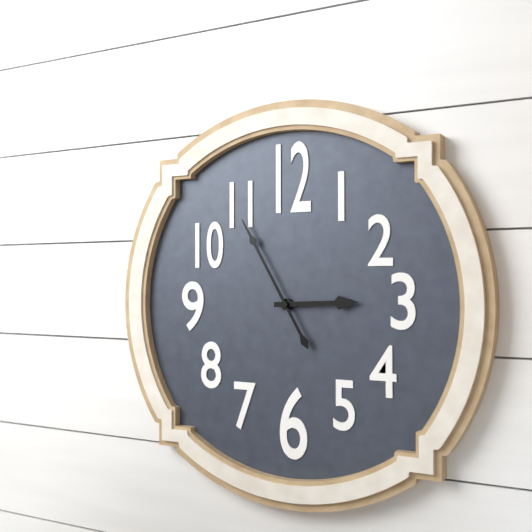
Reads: 2:55
